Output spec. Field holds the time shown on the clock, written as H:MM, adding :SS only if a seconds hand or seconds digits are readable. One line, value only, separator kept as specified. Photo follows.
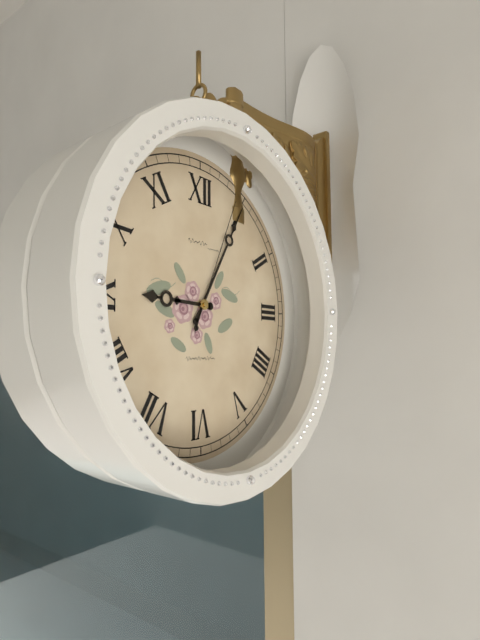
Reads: 9:05:04
